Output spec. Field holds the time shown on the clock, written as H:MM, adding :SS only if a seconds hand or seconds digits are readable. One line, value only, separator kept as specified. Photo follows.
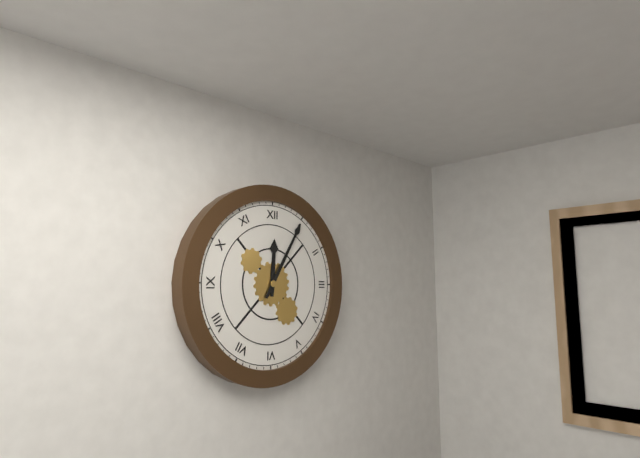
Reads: 12:05
